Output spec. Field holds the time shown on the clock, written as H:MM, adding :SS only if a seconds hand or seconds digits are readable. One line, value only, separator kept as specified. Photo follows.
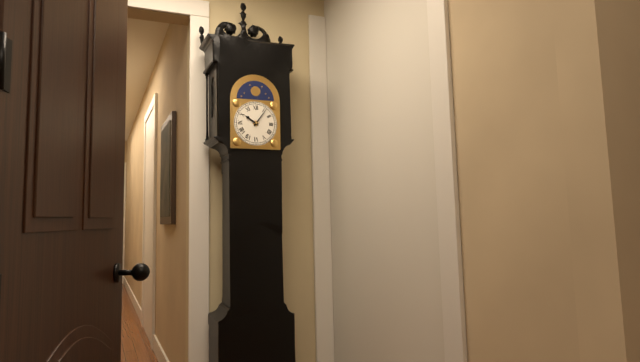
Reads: 10:06
